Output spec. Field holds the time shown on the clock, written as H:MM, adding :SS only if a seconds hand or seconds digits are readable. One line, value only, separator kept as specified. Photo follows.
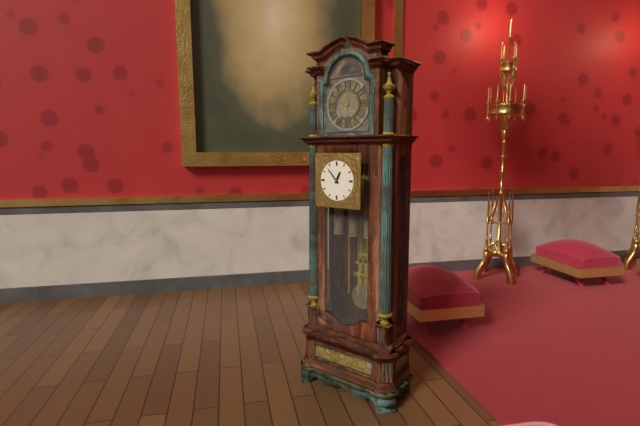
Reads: 12:53
